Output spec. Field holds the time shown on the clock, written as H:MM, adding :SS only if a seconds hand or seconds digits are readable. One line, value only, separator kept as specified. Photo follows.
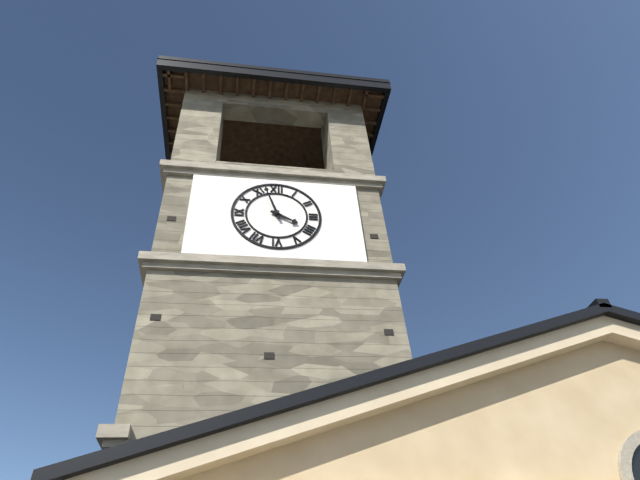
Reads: 3:57
